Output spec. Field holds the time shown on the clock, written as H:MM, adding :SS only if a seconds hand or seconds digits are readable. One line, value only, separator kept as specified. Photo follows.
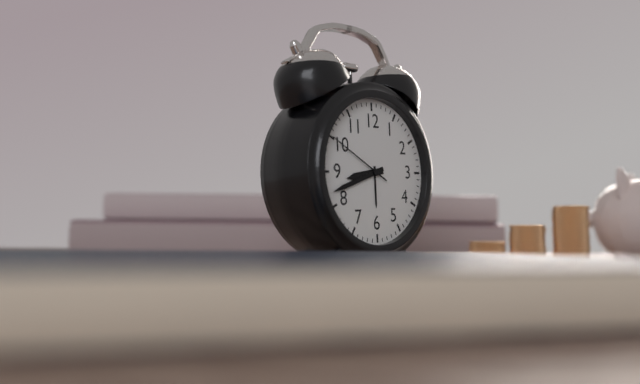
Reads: 8:42:50
